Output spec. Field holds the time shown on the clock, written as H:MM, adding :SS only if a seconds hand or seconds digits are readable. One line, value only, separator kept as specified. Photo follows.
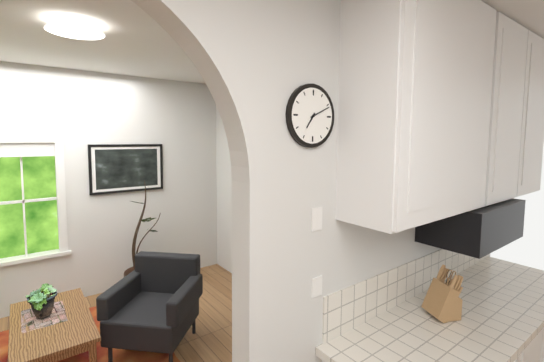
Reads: 7:11
